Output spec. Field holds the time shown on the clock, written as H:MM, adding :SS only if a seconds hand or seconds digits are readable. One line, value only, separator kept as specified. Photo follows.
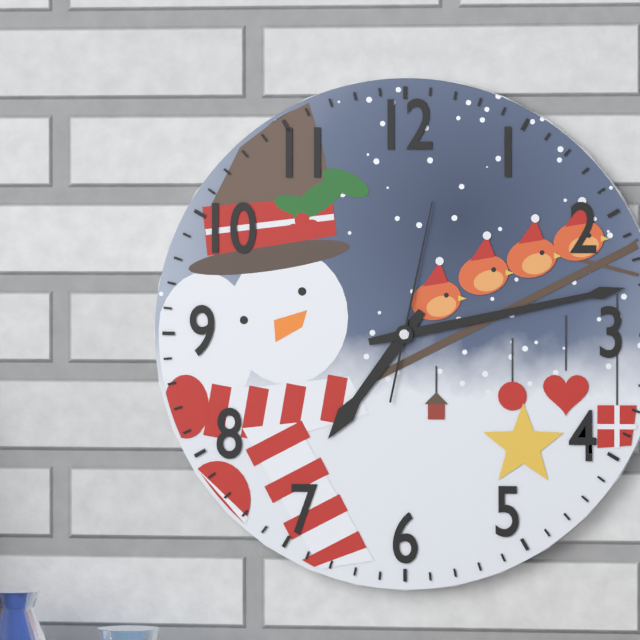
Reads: 7:13:02
